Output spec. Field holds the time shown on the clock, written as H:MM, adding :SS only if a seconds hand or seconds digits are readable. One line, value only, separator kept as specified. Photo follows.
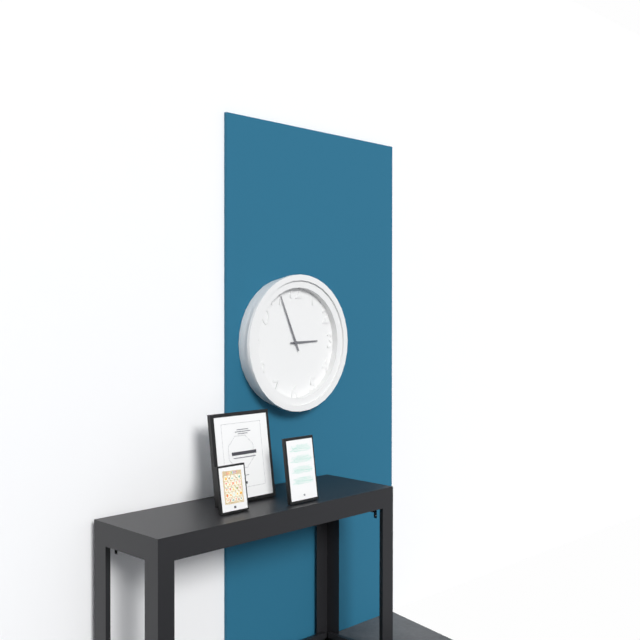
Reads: 2:56
